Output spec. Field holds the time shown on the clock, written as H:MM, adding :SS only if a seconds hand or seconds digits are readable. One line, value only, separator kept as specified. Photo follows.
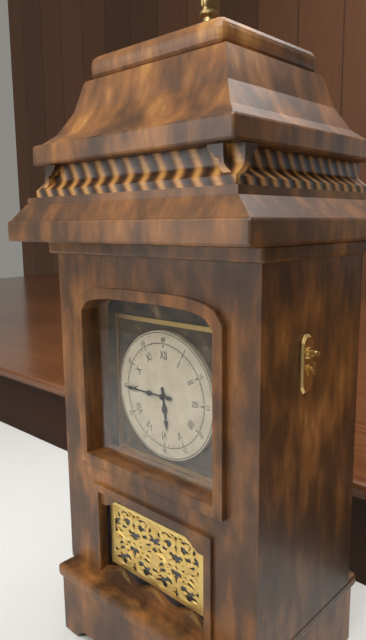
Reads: 5:45
